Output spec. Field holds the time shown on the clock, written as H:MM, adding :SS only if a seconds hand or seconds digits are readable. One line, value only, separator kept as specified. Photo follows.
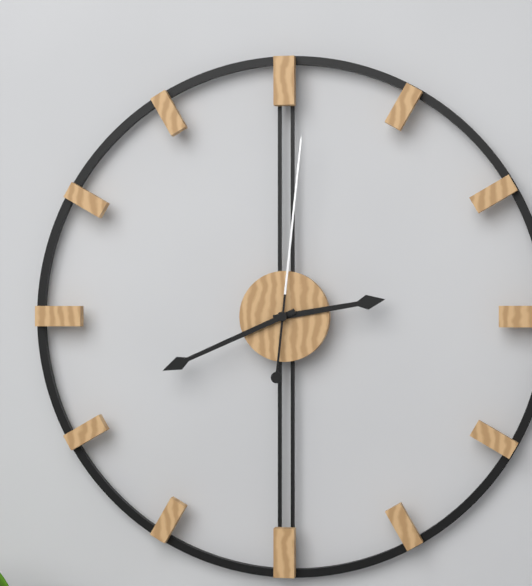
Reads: 2:41:01
